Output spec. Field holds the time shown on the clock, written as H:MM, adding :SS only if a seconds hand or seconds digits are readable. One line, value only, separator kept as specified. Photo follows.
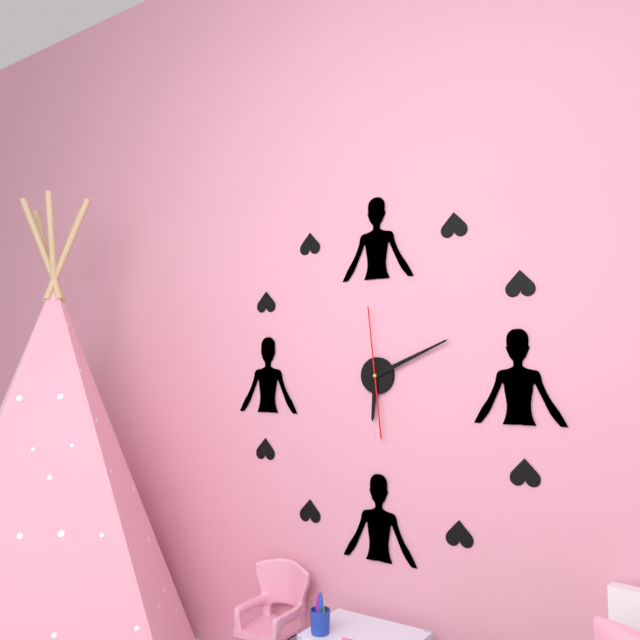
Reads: 6:11:59
